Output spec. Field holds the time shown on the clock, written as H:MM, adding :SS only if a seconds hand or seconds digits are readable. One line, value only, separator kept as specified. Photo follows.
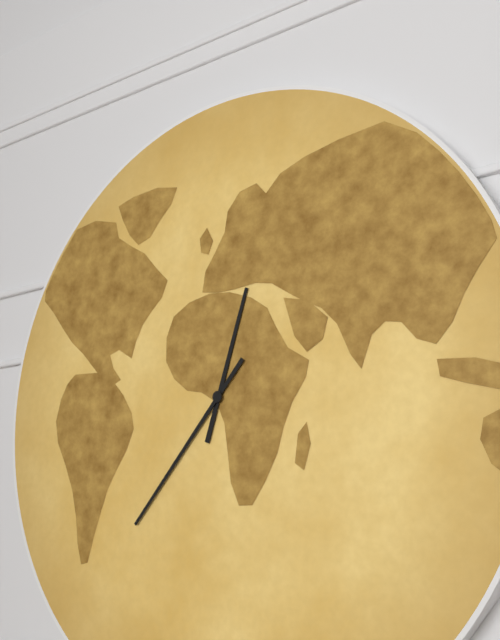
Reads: 12:37
